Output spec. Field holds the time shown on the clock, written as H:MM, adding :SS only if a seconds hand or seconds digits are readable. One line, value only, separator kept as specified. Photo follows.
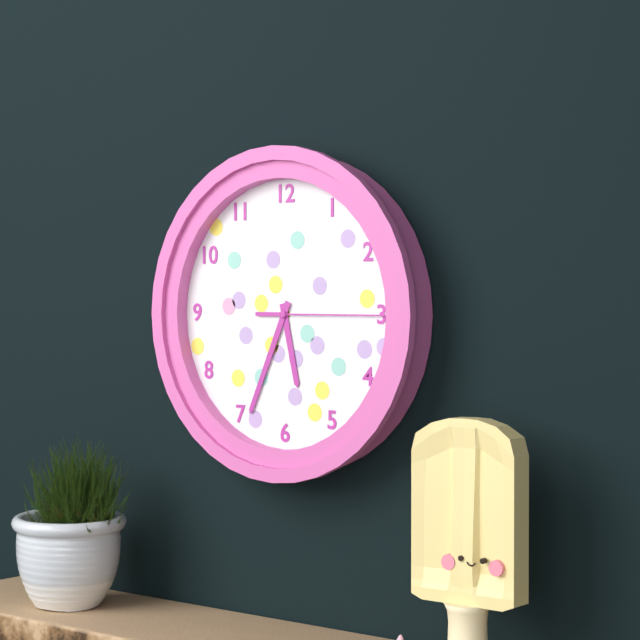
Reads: 5:34:15
